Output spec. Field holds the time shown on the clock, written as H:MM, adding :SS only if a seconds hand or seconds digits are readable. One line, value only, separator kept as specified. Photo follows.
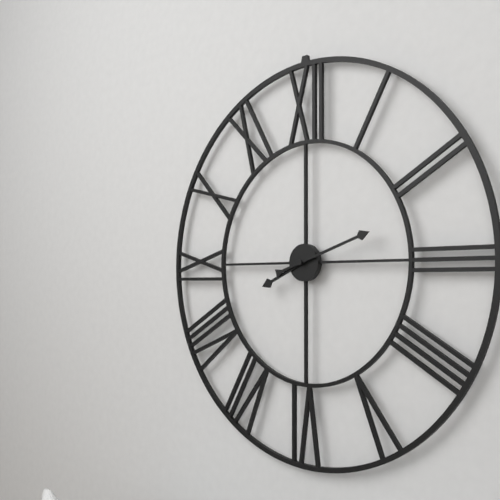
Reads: 8:12
